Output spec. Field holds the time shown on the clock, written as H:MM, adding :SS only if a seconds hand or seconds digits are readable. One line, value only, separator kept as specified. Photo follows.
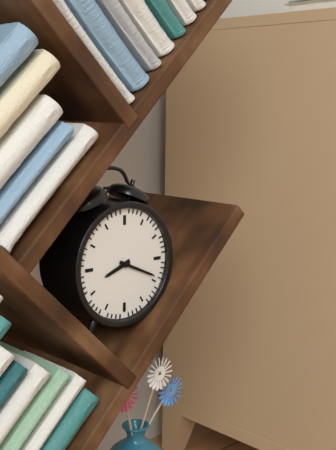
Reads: 8:19
